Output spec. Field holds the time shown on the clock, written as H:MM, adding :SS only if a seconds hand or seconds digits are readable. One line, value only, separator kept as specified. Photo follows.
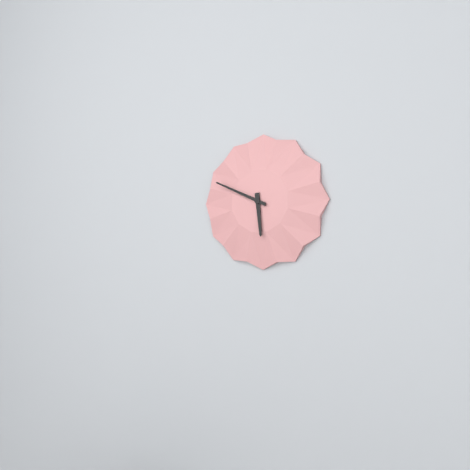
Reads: 5:49
